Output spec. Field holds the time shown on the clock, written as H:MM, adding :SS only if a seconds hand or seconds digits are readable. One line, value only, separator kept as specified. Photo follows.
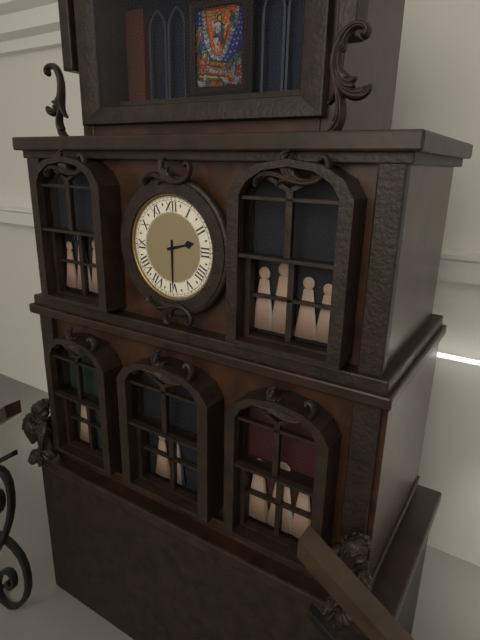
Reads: 2:30
